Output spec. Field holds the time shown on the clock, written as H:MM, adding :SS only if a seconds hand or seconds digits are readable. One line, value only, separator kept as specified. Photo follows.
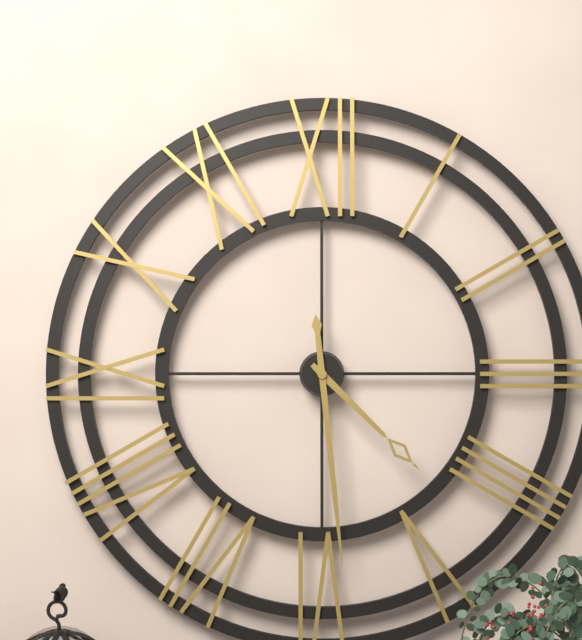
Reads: 4:29
